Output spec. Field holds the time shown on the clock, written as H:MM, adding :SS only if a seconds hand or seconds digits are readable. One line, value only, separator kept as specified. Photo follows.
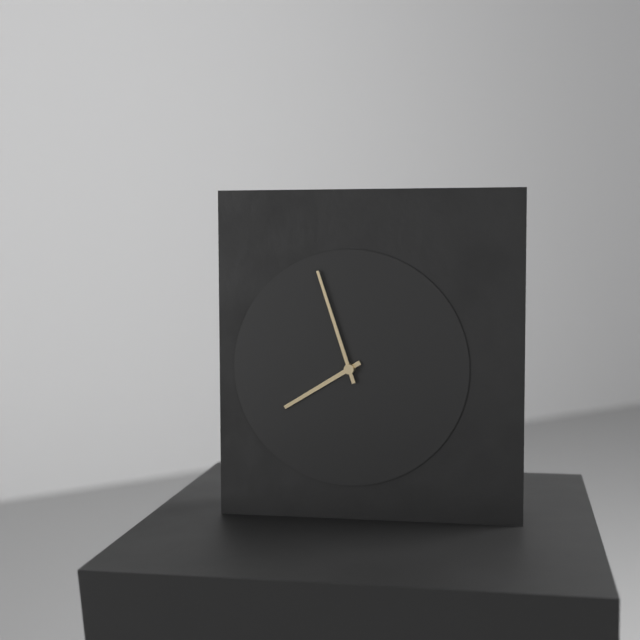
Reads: 7:57
